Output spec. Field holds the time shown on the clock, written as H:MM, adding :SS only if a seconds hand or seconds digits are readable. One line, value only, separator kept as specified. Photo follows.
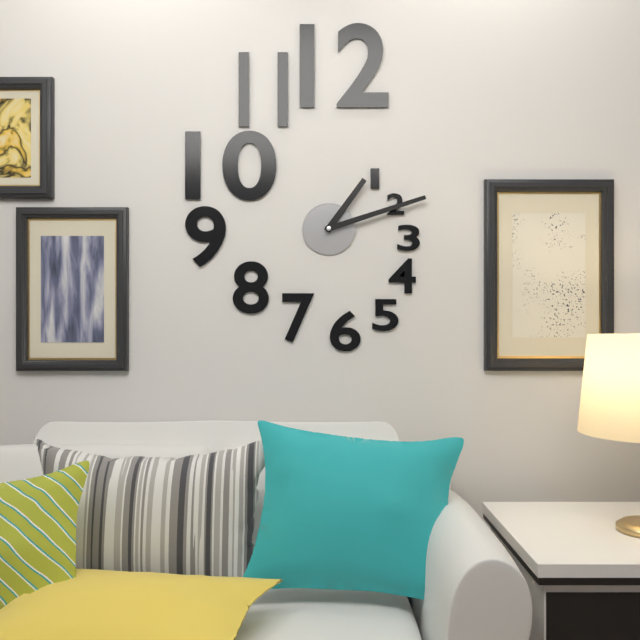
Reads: 1:12
